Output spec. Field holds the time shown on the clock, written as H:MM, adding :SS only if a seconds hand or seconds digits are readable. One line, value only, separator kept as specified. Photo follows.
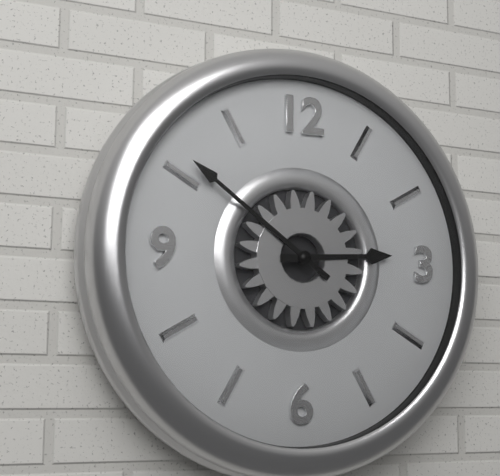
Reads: 2:51
